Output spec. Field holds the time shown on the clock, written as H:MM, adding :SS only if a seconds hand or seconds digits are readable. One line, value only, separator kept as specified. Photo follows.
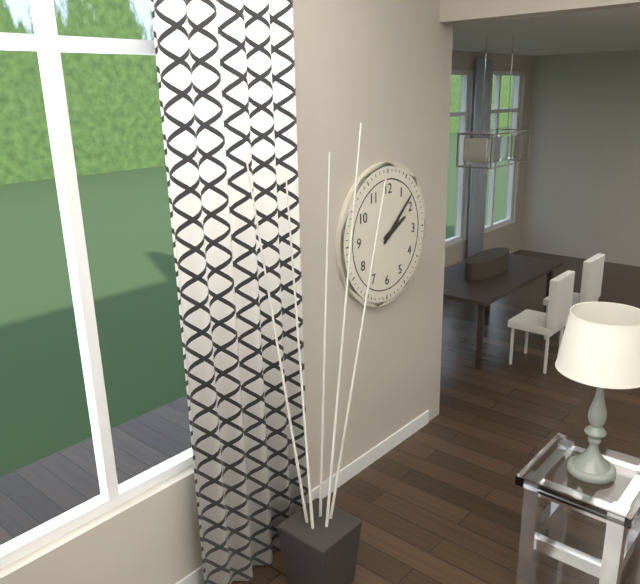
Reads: 2:08
